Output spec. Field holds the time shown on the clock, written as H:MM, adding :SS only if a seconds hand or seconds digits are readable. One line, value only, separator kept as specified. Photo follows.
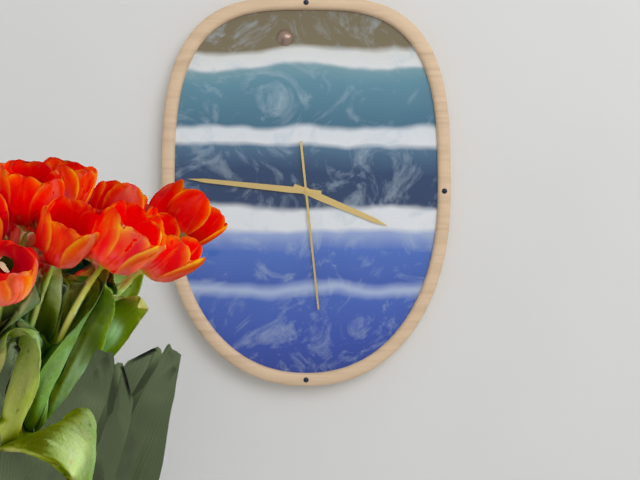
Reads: 3:46:29
